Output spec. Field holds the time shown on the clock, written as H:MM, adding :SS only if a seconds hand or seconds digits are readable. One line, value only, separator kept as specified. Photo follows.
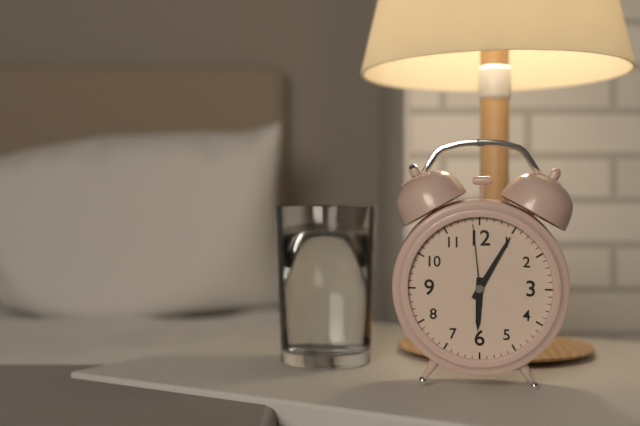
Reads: 6:05:59
